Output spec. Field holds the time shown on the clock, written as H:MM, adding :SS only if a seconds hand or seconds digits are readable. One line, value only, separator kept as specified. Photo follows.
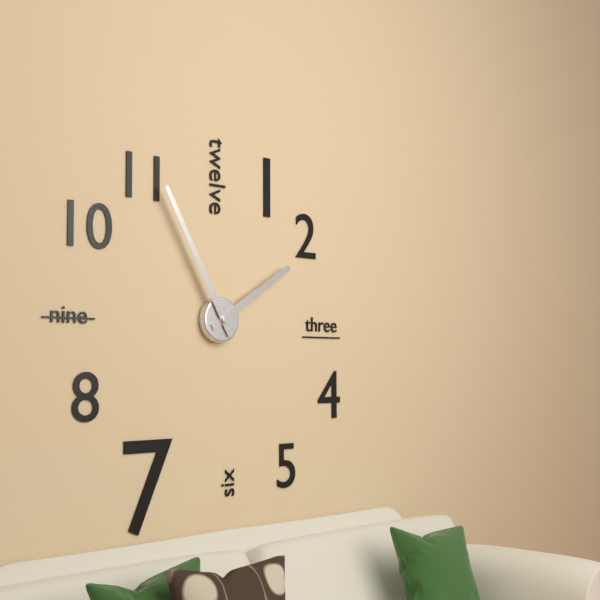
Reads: 1:55
